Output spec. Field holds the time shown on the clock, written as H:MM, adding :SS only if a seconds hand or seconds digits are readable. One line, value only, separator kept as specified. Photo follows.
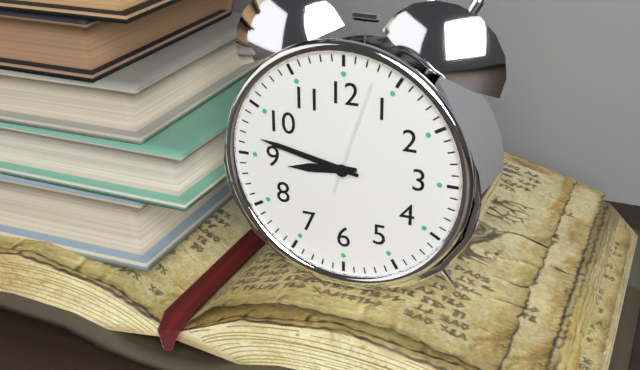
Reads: 8:47:03
